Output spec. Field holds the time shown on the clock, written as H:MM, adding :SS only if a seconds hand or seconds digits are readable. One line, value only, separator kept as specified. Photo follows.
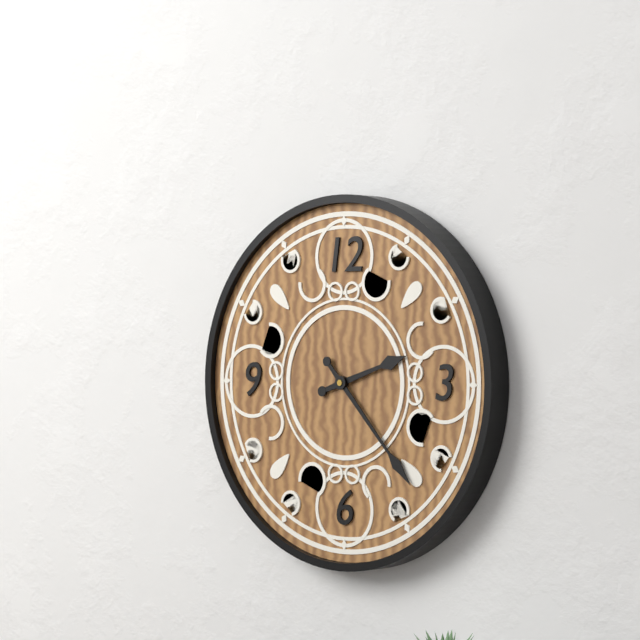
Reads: 2:23
